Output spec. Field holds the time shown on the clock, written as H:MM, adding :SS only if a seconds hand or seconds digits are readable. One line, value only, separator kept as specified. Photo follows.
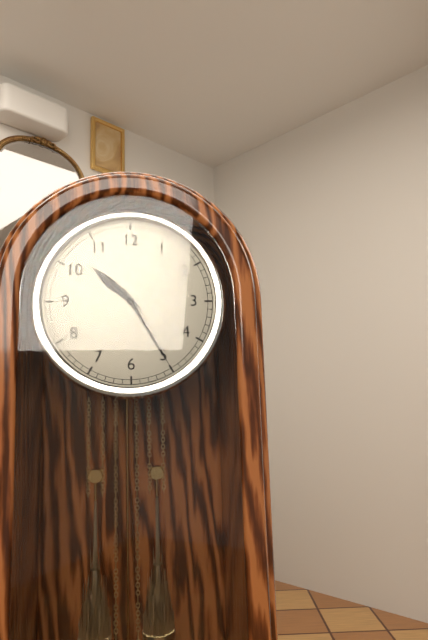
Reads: 10:25
